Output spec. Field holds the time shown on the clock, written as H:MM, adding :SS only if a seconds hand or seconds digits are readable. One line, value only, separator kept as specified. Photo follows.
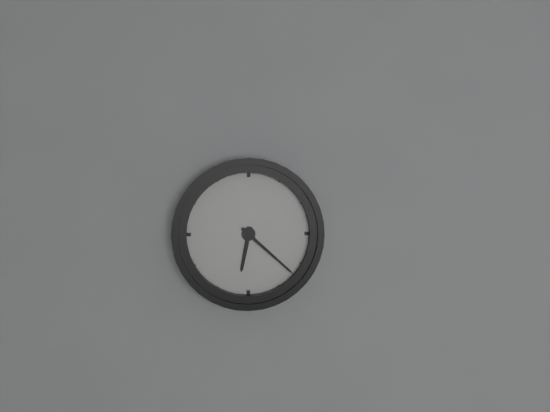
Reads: 6:22
